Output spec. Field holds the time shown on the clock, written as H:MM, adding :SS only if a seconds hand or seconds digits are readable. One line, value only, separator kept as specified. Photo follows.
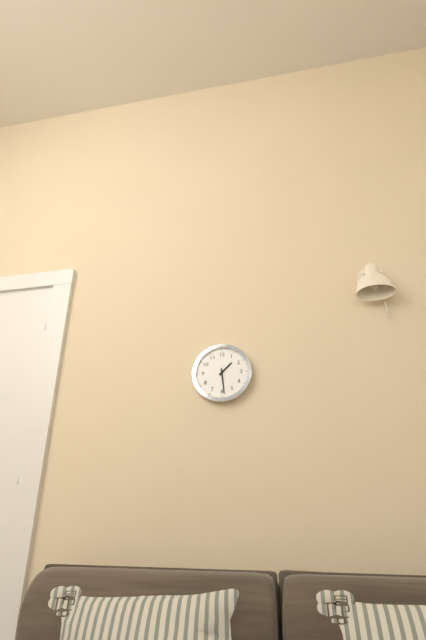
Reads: 1:29
